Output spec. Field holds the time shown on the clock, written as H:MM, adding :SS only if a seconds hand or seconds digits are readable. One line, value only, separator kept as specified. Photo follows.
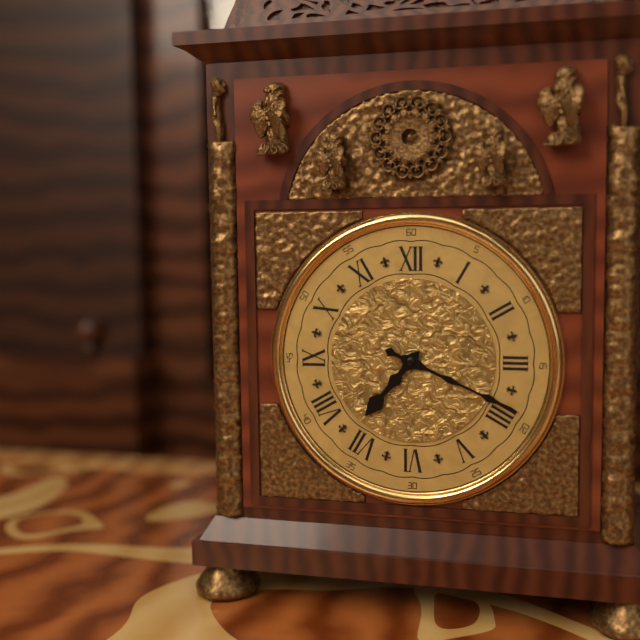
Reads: 7:19
